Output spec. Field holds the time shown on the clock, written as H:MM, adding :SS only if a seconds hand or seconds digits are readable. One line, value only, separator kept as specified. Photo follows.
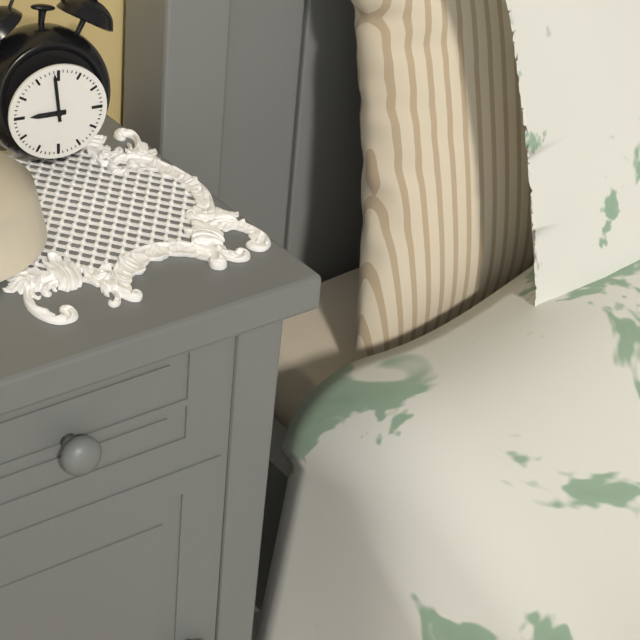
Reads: 8:59
